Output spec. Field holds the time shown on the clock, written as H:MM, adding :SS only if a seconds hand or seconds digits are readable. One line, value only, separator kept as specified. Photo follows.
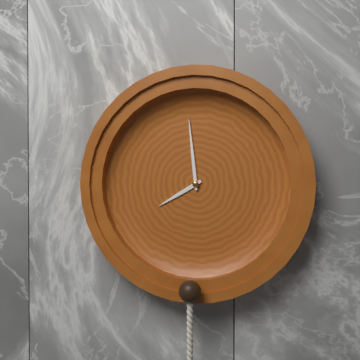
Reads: 7:59
